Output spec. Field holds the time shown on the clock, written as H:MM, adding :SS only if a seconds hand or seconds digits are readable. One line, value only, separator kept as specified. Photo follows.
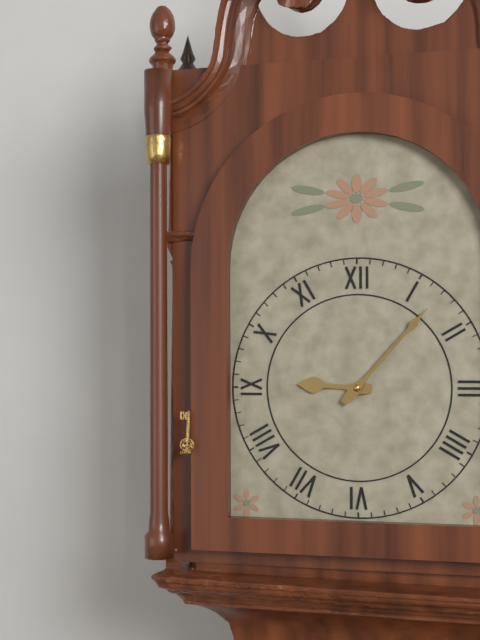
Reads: 9:07
